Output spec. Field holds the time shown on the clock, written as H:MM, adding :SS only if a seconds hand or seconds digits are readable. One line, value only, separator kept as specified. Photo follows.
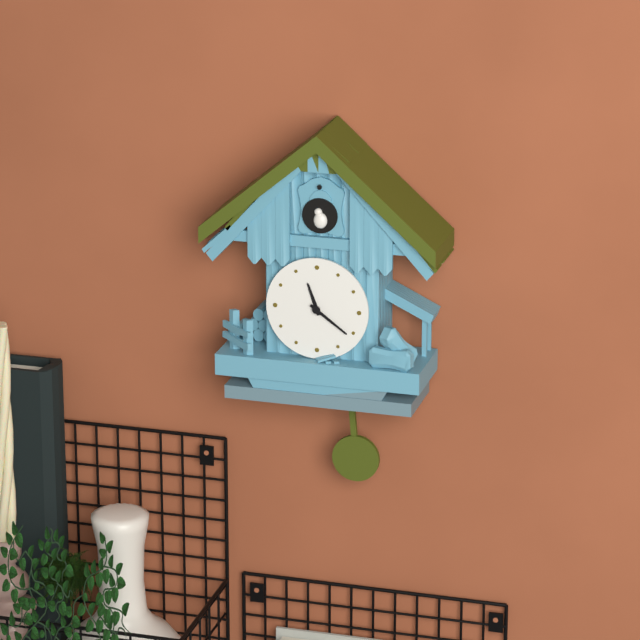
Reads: 11:21
